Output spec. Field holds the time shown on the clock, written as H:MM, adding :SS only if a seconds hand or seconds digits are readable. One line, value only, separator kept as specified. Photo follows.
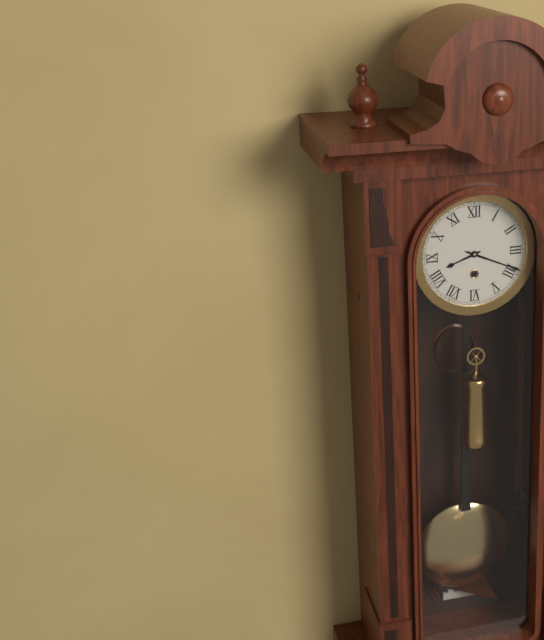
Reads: 8:19
